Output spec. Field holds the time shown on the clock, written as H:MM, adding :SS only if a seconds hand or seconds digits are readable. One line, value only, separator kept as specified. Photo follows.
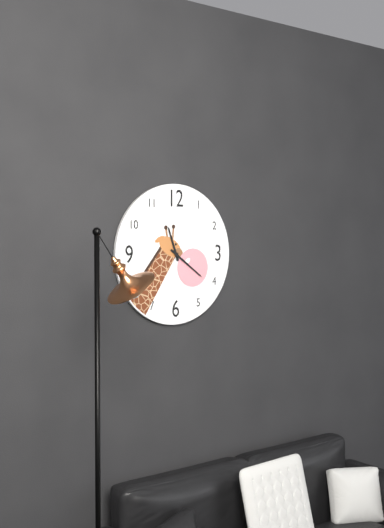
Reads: 11:21
